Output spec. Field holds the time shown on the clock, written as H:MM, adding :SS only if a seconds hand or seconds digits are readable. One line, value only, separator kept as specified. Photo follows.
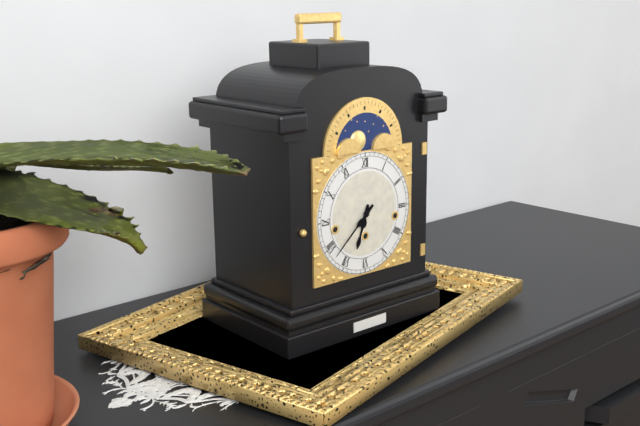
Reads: 6:38
